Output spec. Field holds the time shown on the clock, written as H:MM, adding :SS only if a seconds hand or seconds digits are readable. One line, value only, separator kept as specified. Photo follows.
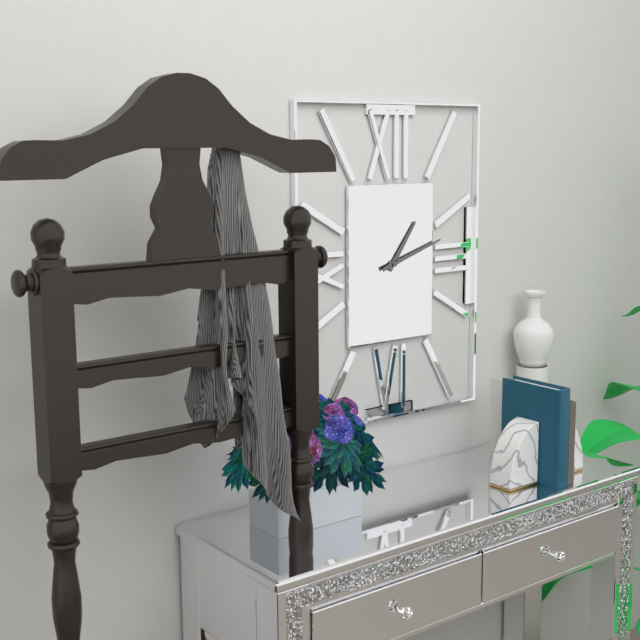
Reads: 1:12
